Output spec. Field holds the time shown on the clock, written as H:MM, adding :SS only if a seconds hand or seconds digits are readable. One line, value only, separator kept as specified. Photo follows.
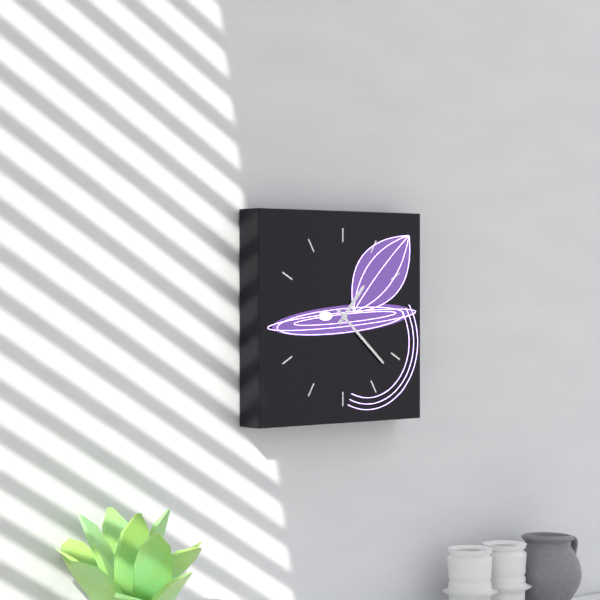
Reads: 1:22
